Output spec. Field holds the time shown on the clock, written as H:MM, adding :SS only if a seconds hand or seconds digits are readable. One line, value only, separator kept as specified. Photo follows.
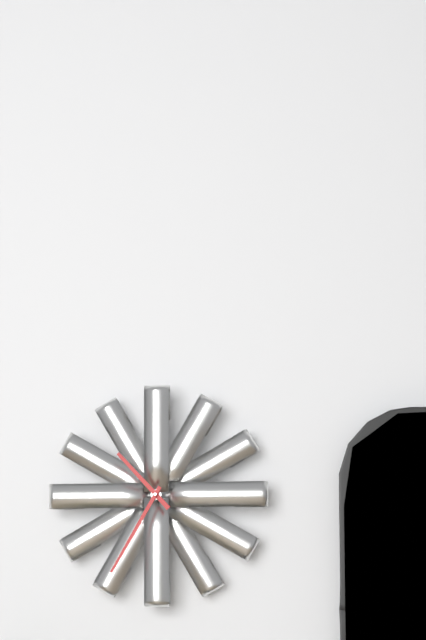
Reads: 10:35
